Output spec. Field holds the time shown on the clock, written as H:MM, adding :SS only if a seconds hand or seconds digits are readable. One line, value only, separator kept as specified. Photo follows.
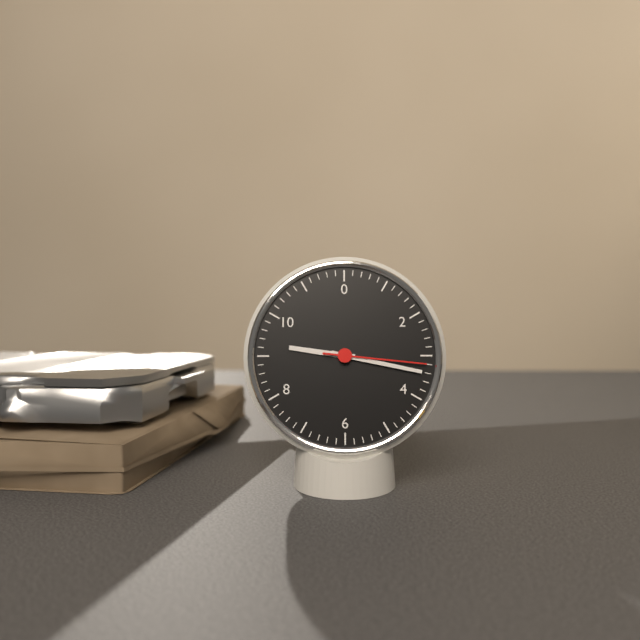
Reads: 9:17:16
